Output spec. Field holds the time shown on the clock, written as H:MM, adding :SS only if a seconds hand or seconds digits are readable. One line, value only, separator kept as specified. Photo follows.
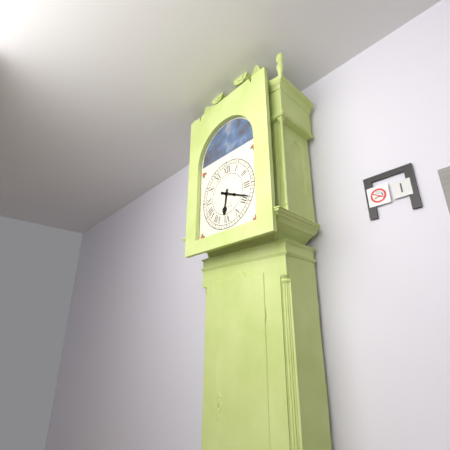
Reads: 6:19
